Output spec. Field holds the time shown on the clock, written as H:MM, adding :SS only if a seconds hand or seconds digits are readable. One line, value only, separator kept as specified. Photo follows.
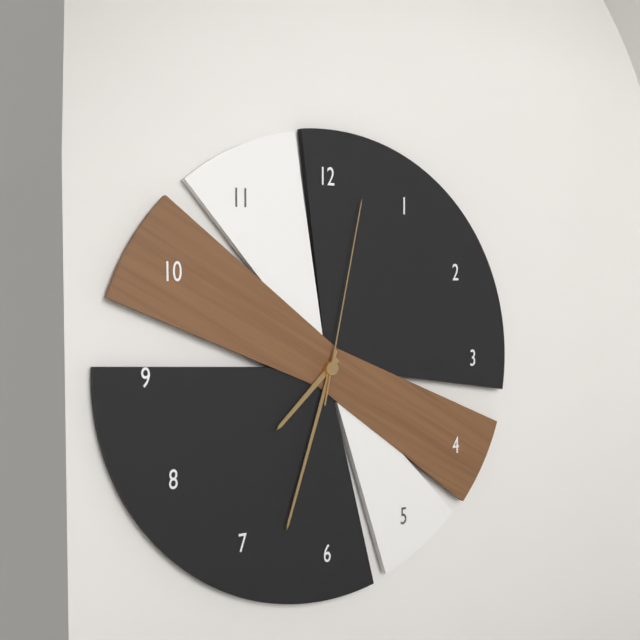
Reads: 7:33:02
